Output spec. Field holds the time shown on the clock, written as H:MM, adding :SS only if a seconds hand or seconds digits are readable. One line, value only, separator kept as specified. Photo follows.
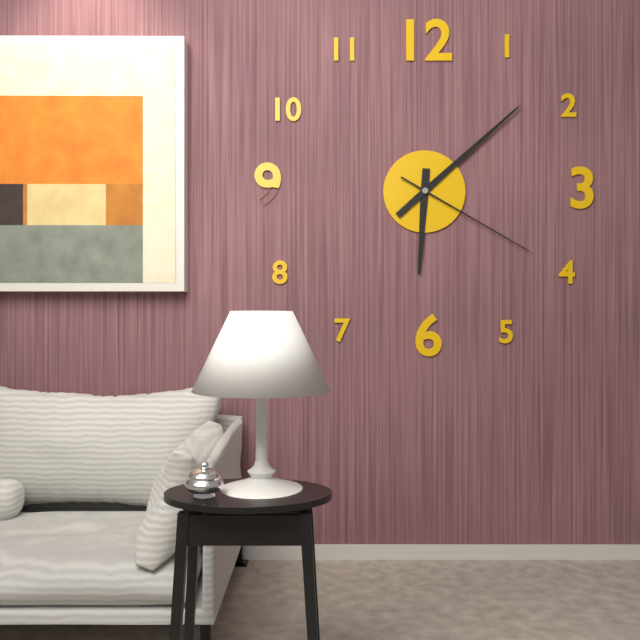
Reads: 6:08:20
